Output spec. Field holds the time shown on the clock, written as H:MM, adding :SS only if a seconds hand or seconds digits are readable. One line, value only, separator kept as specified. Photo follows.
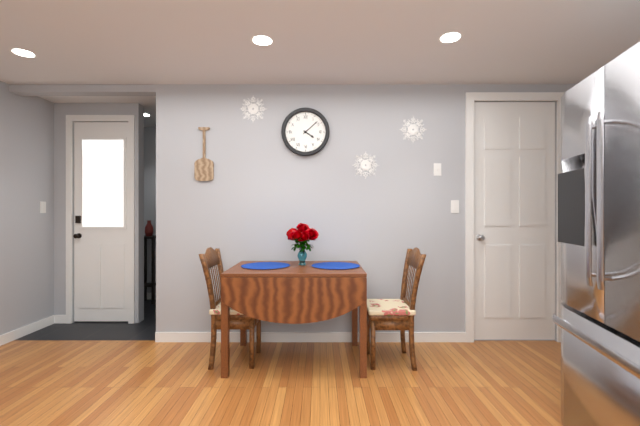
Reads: 4:08
